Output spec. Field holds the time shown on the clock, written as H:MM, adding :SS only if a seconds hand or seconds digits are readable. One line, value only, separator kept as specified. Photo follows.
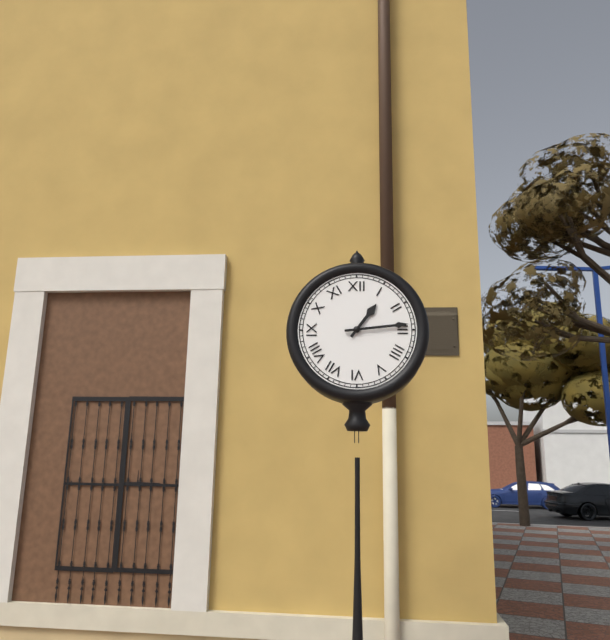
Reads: 1:14
